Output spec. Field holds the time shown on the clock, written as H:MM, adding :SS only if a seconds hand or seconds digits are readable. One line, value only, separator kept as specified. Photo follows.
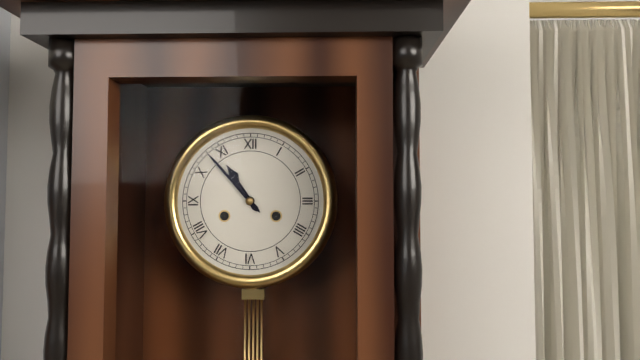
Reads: 10:53
